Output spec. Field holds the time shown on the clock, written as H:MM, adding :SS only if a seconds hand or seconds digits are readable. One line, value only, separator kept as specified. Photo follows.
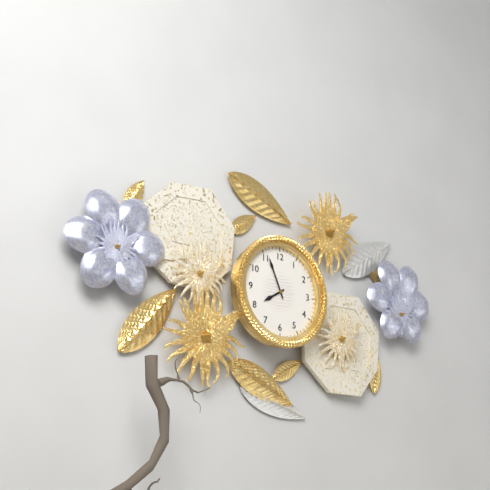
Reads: 7:56
